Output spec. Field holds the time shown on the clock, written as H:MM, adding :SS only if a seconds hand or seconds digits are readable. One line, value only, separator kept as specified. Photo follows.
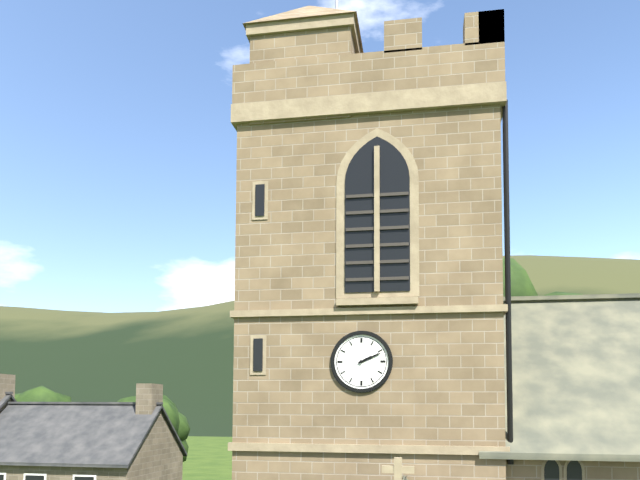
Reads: 2:11
